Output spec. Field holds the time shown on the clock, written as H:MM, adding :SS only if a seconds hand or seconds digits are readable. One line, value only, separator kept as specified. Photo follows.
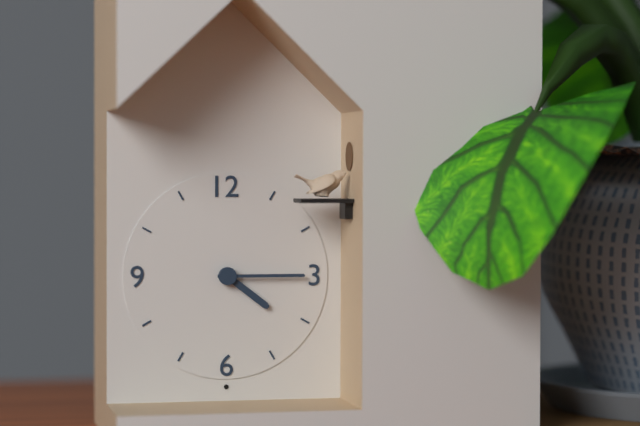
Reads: 4:15
